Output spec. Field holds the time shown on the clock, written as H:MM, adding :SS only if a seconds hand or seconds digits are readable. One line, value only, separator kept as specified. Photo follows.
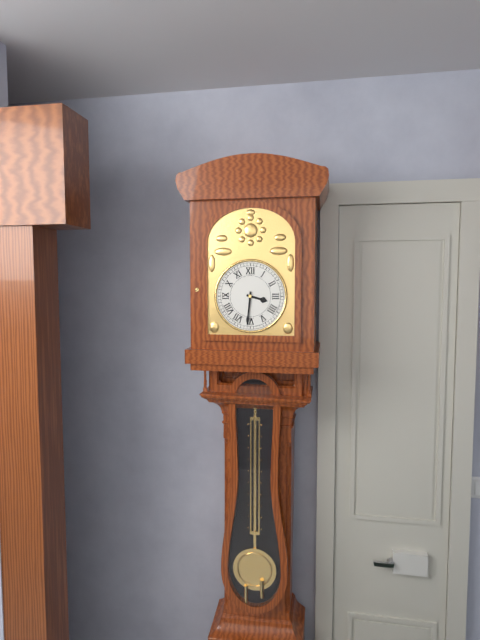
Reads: 3:31
